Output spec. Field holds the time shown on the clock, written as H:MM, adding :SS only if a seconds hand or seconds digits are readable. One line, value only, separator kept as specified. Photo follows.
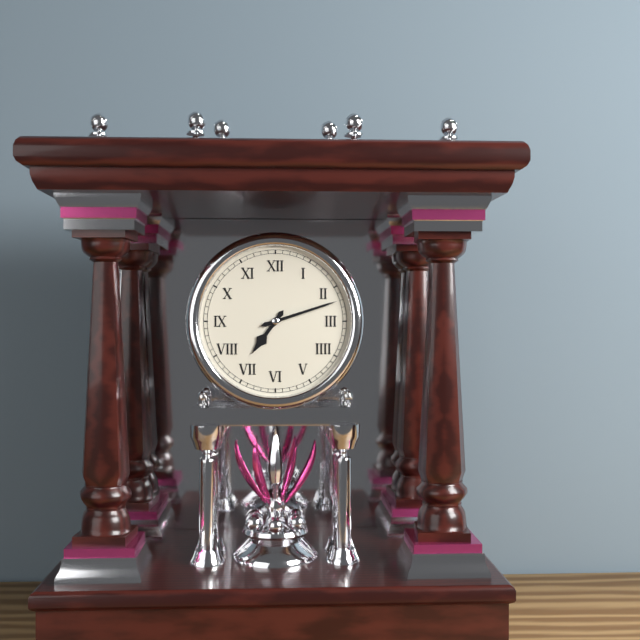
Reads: 7:12
